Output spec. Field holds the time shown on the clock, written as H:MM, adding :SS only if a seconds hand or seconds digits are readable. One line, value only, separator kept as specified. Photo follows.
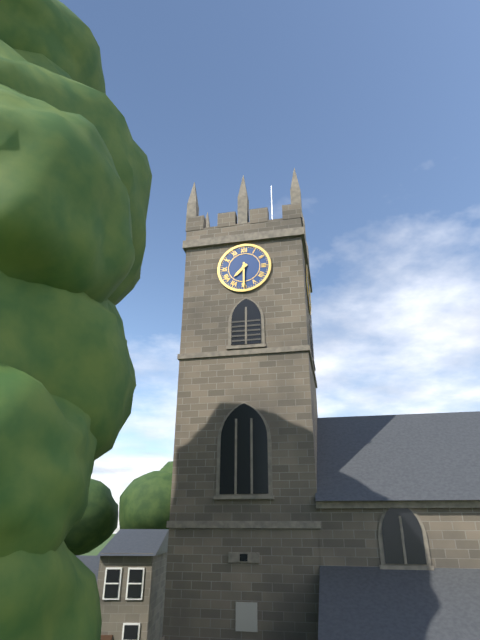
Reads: 7:30
